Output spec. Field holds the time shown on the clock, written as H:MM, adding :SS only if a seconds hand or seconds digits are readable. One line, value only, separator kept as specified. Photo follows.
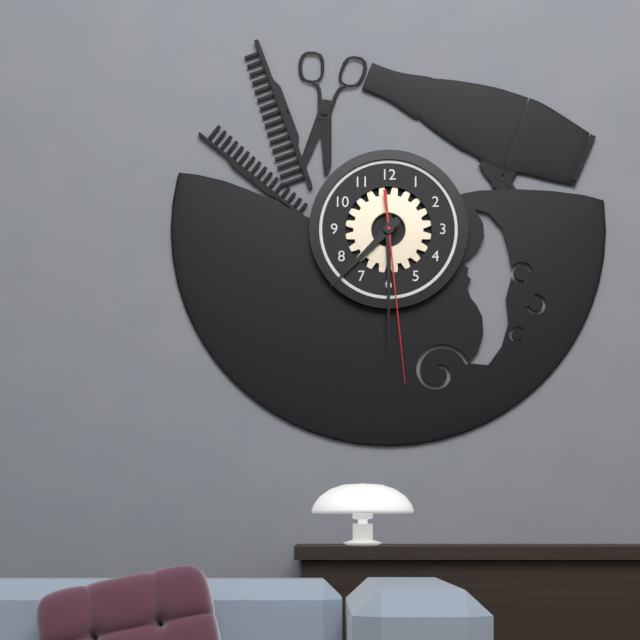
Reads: 7:30:29
